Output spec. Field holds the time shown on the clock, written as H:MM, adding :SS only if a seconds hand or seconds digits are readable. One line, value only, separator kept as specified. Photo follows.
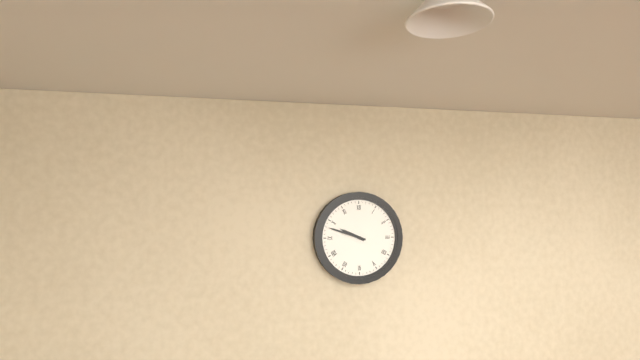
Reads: 9:48
